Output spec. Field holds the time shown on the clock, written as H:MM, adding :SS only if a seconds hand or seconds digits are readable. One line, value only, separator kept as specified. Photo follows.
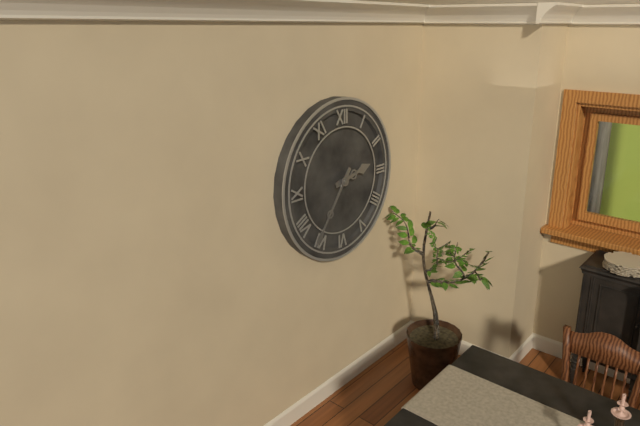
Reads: 2:36
